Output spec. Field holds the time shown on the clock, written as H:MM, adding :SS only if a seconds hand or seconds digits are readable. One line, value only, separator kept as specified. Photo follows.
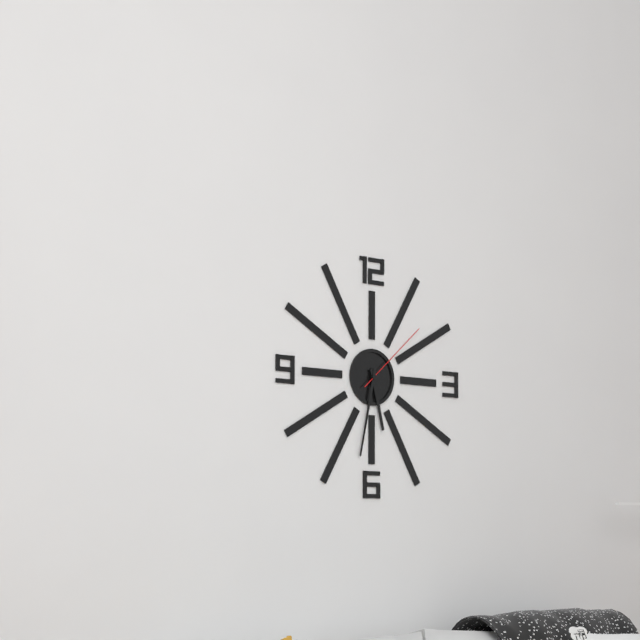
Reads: 5:32:08
